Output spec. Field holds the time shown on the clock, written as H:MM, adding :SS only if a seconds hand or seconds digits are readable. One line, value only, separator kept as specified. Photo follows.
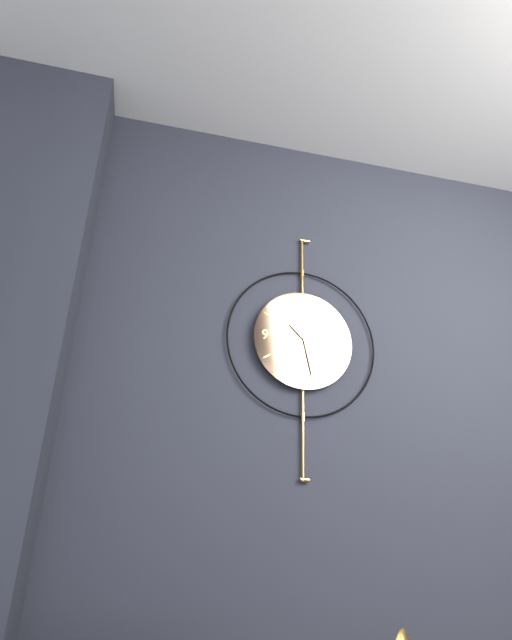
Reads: 10:28:06
